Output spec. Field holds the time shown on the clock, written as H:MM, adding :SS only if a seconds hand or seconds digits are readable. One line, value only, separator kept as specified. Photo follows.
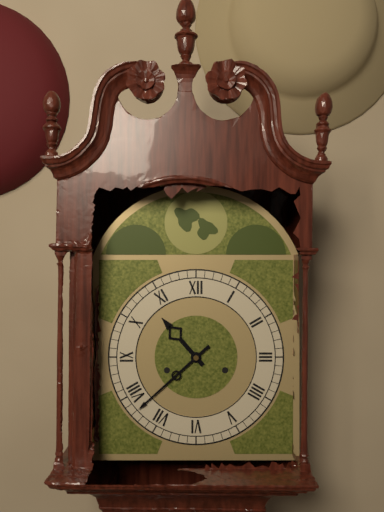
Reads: 10:38
